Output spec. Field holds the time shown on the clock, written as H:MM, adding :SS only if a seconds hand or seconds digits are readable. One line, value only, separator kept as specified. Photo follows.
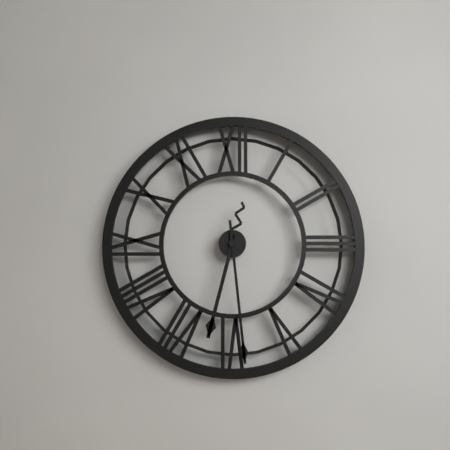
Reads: 6:29
